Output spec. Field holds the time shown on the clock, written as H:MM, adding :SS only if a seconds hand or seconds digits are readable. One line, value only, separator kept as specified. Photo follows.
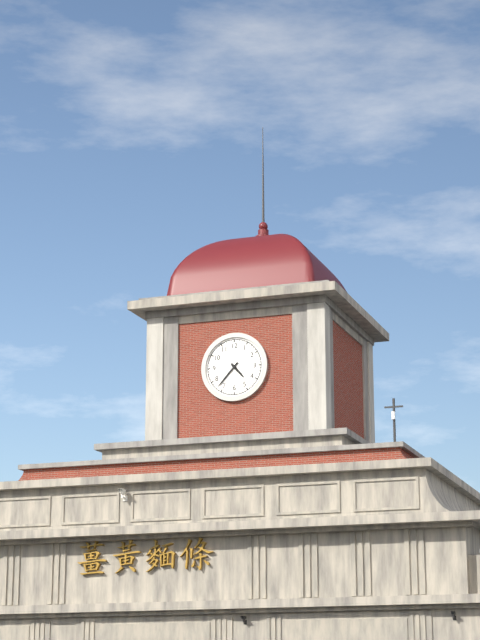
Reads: 4:37
